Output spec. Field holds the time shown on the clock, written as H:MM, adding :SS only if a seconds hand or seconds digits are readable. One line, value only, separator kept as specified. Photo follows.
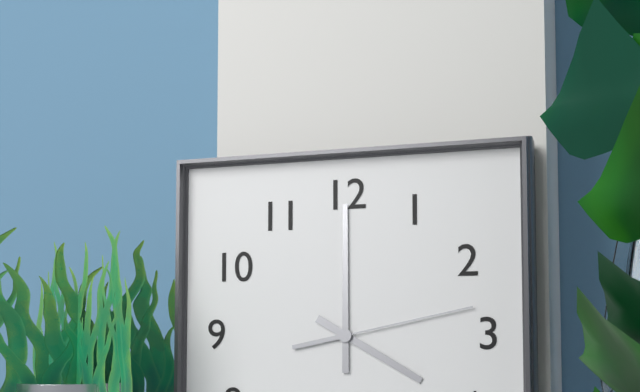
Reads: 4:00:13
